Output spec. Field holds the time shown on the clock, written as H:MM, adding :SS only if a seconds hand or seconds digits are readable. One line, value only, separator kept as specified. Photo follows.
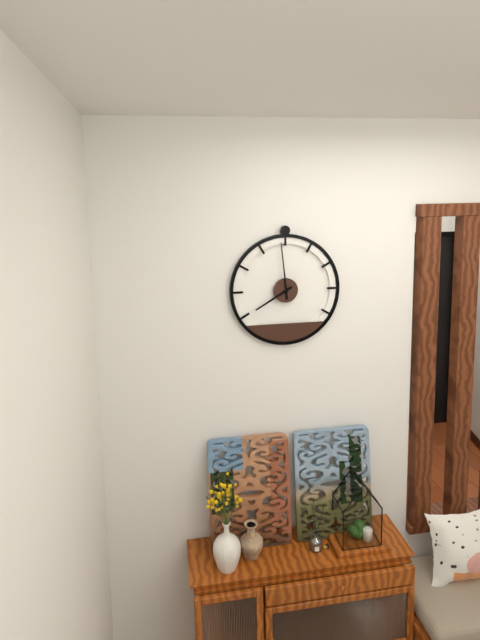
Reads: 7:59
